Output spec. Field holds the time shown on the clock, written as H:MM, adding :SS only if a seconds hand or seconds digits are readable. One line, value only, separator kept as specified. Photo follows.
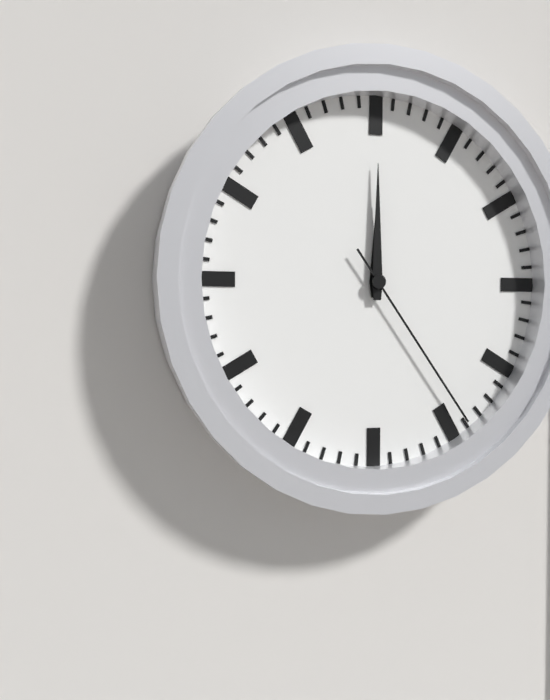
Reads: 12:00:24
